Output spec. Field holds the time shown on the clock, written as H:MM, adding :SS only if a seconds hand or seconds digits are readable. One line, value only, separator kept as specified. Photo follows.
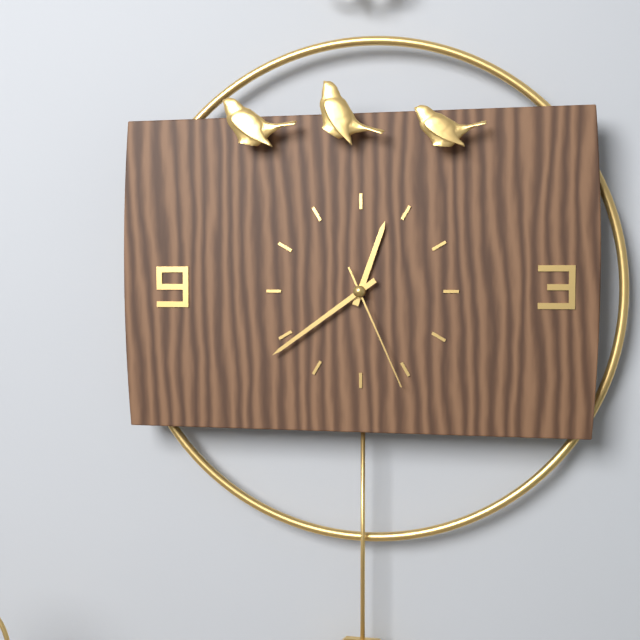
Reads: 12:39:26
